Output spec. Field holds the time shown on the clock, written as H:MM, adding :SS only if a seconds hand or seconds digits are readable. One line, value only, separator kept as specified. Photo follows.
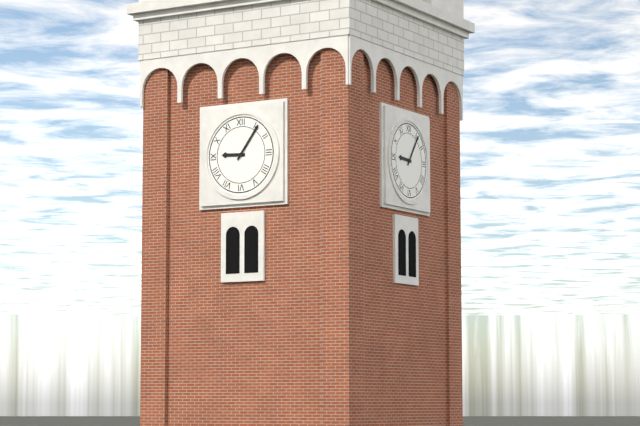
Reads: 9:06
